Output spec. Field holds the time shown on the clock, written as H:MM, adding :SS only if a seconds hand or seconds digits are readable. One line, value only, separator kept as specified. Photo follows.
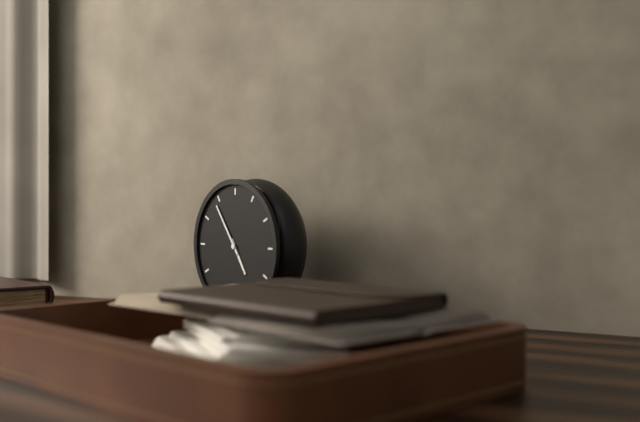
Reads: 4:54
